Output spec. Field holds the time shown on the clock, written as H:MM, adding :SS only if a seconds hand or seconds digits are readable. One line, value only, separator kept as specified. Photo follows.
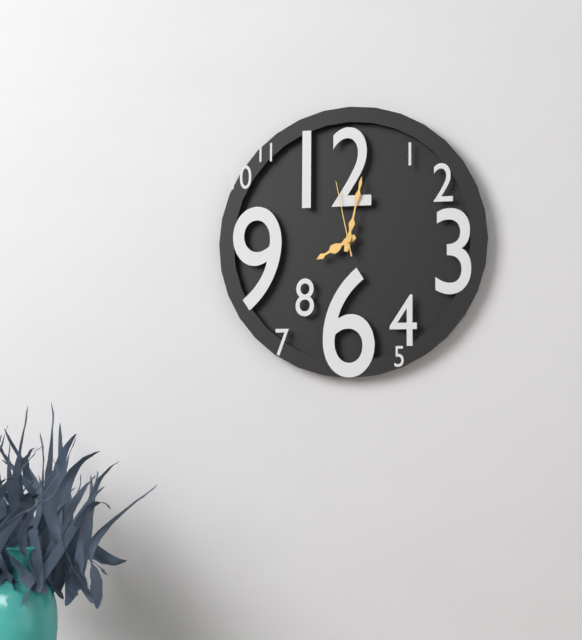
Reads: 8:02:58
